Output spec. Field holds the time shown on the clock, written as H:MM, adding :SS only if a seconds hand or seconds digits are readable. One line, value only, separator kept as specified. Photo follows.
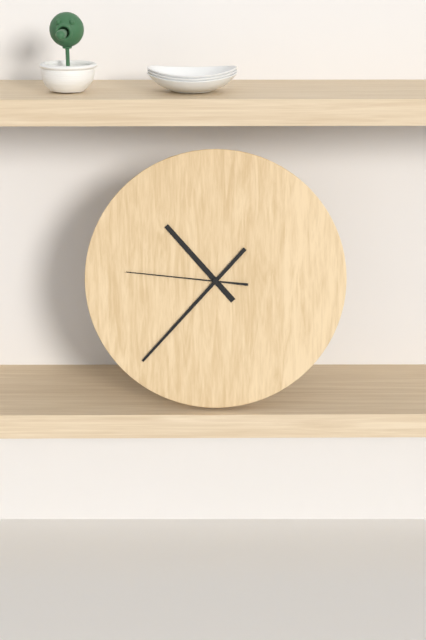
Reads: 10:37:46
